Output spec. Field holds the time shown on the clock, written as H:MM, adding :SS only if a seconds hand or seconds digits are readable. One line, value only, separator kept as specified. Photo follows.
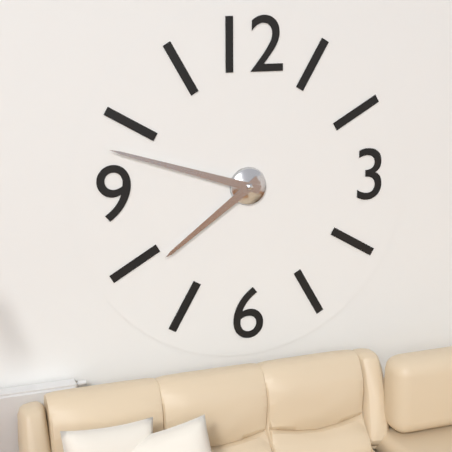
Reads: 7:48
